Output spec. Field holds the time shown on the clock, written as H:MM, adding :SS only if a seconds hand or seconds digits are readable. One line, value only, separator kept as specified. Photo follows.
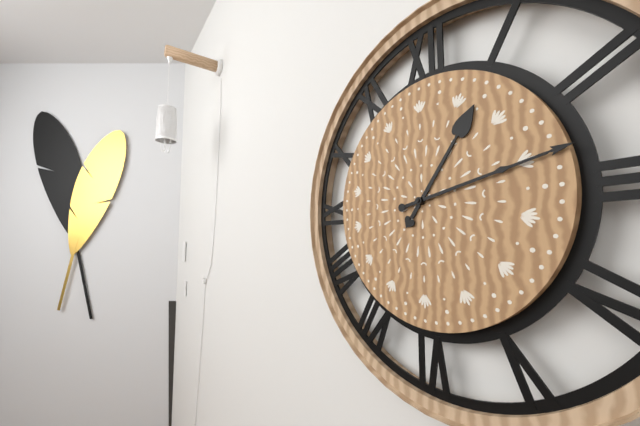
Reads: 1:13
